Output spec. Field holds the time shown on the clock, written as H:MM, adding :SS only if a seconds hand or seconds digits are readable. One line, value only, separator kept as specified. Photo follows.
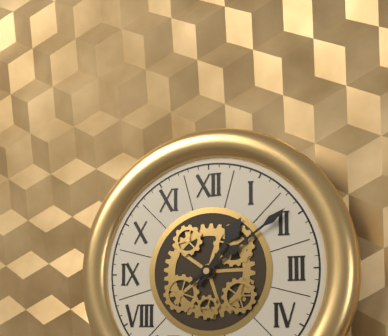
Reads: 1:09
